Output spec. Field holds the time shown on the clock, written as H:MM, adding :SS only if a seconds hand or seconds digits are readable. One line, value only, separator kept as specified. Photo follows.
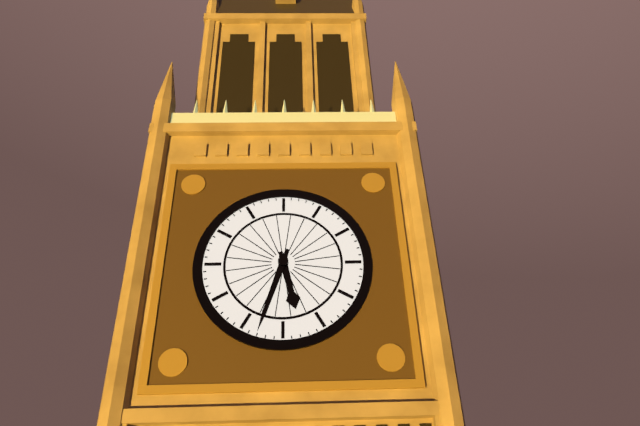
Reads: 5:33
